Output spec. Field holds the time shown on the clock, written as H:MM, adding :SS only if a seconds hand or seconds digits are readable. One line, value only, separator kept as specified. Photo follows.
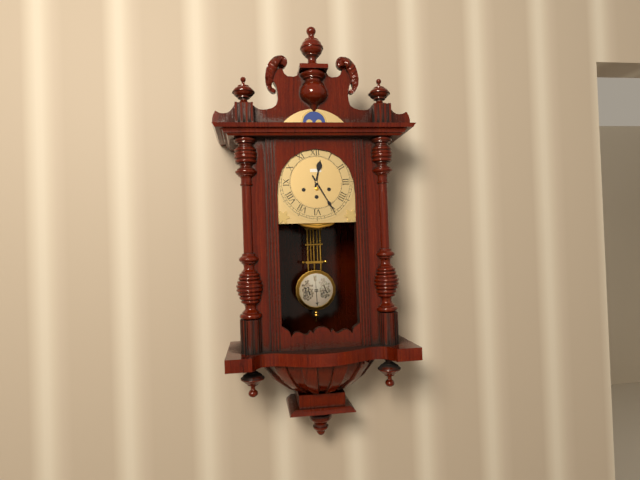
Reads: 12:25
